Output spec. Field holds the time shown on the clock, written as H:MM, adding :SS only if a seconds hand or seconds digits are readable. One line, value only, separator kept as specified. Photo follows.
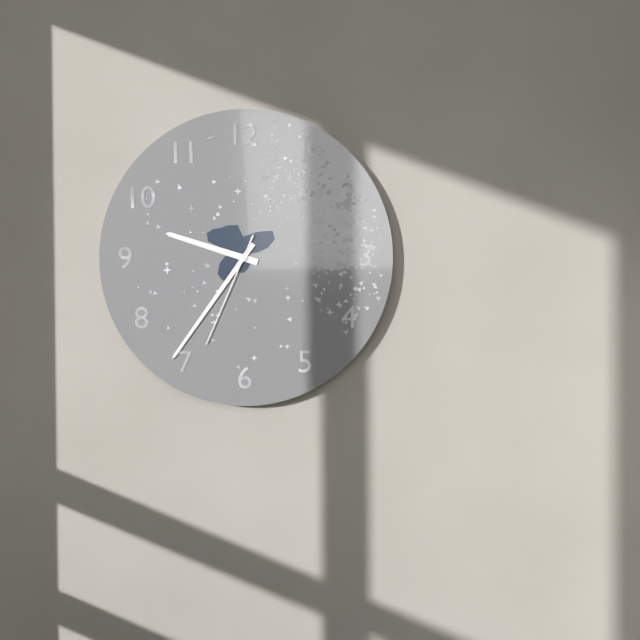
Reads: 9:36:34
